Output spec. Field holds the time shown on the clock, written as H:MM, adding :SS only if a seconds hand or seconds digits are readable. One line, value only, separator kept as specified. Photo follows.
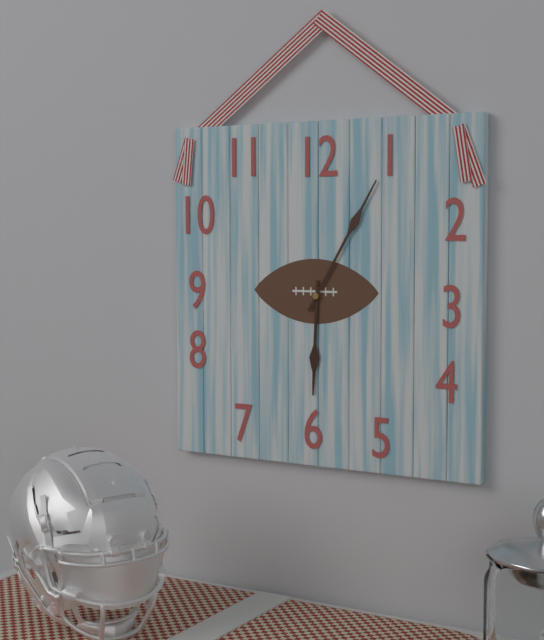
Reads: 6:05
